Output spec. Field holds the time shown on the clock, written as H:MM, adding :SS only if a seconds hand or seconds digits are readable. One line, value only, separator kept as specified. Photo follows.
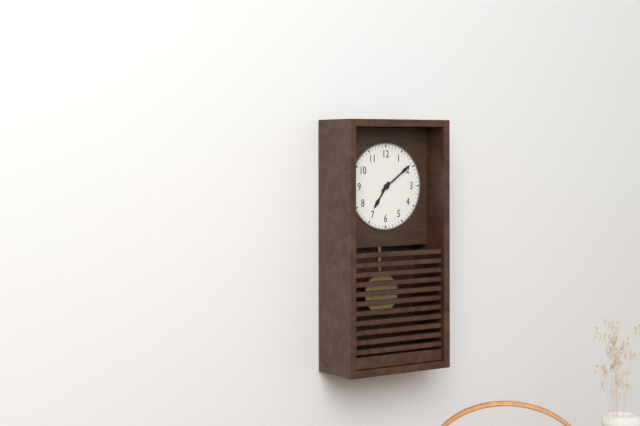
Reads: 7:09
